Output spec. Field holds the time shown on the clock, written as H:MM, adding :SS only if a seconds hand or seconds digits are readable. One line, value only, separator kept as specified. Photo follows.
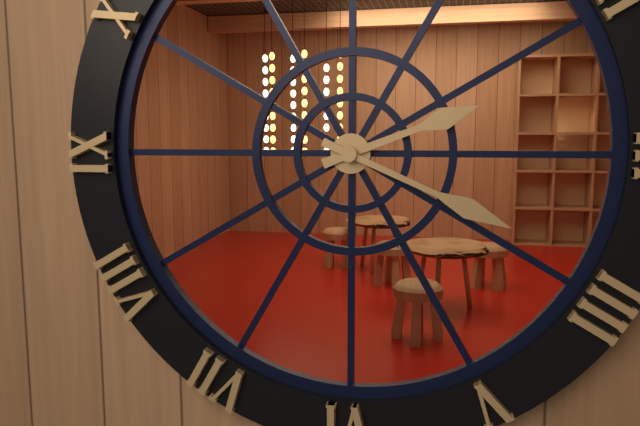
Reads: 2:19
